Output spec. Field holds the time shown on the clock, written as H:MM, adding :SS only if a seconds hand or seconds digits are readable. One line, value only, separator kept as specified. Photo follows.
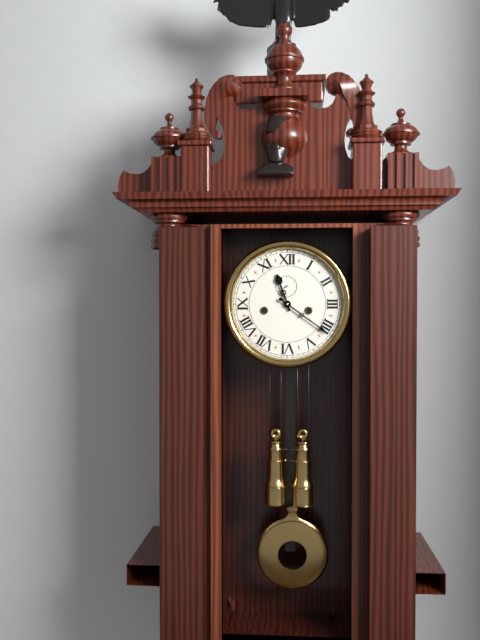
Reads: 11:21
